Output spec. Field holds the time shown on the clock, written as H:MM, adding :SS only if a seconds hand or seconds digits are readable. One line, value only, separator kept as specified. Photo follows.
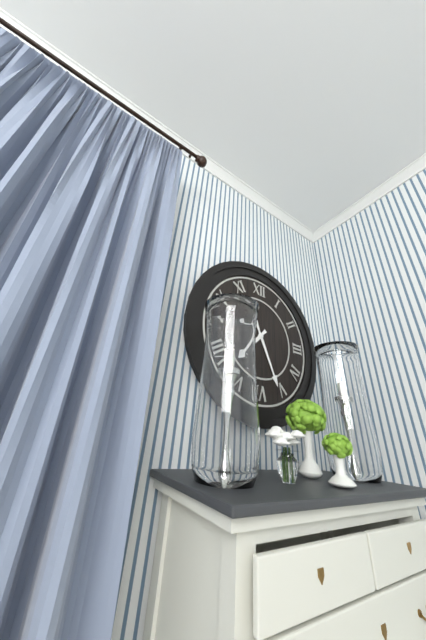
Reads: 7:26
